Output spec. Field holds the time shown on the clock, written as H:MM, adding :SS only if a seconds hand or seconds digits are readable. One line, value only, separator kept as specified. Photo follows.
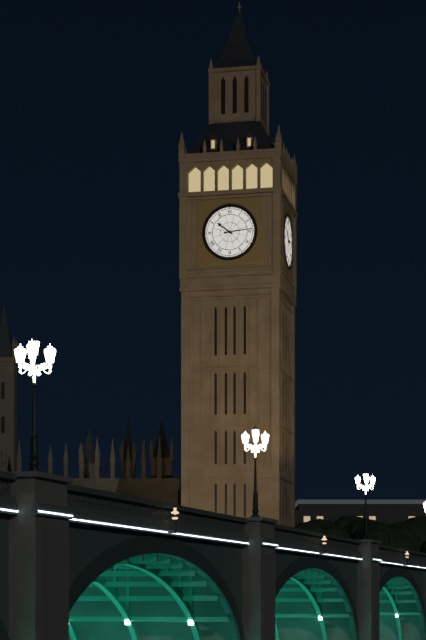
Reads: 10:14
